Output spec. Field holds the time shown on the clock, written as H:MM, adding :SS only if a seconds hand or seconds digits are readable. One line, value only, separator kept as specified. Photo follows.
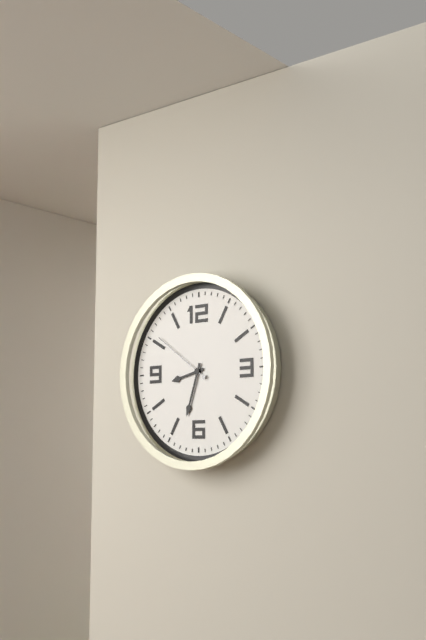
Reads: 8:33:51
